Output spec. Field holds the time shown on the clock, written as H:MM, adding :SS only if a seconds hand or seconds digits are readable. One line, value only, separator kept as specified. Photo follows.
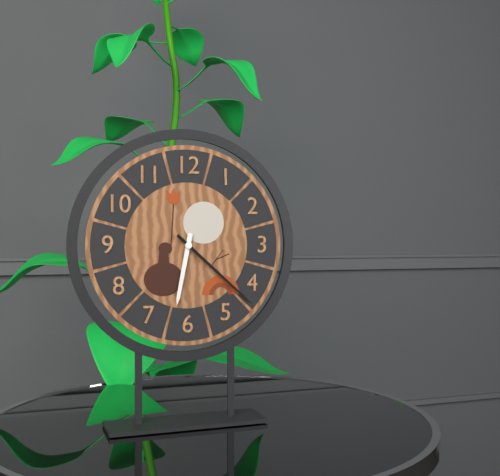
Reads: 6:22
